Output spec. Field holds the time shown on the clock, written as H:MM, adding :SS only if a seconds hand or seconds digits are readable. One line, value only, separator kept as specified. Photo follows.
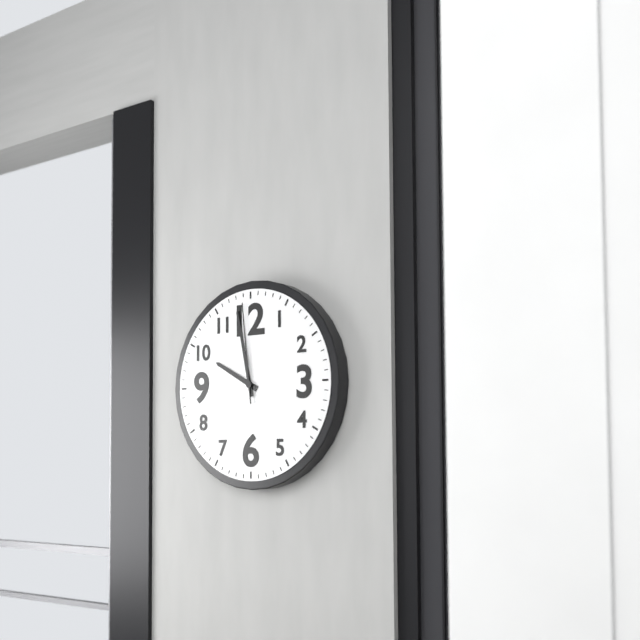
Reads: 9:58:59
